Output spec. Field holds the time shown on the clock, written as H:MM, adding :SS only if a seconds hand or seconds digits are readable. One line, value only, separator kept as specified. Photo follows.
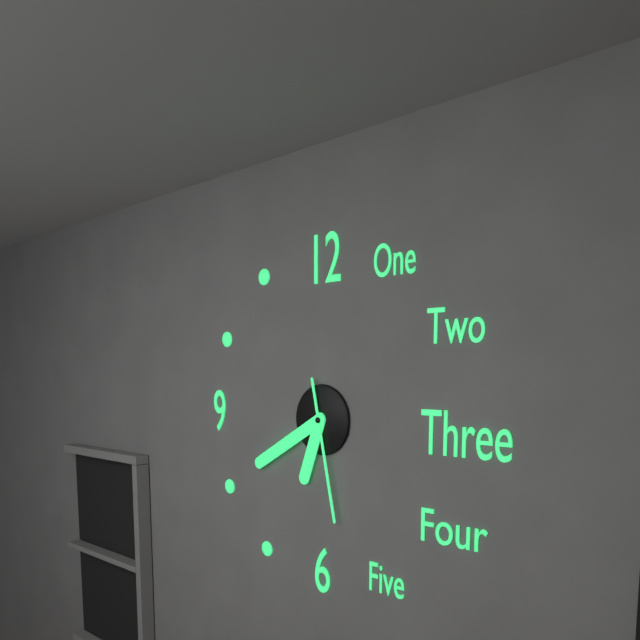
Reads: 6:40:28
